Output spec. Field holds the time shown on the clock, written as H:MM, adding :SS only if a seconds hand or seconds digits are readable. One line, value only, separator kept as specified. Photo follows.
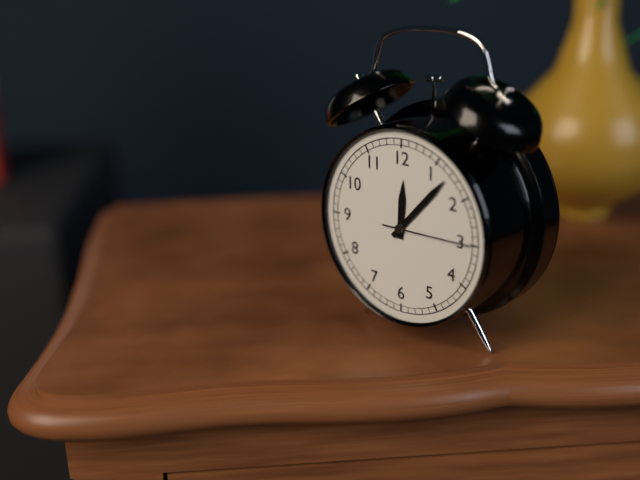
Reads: 12:07:15
